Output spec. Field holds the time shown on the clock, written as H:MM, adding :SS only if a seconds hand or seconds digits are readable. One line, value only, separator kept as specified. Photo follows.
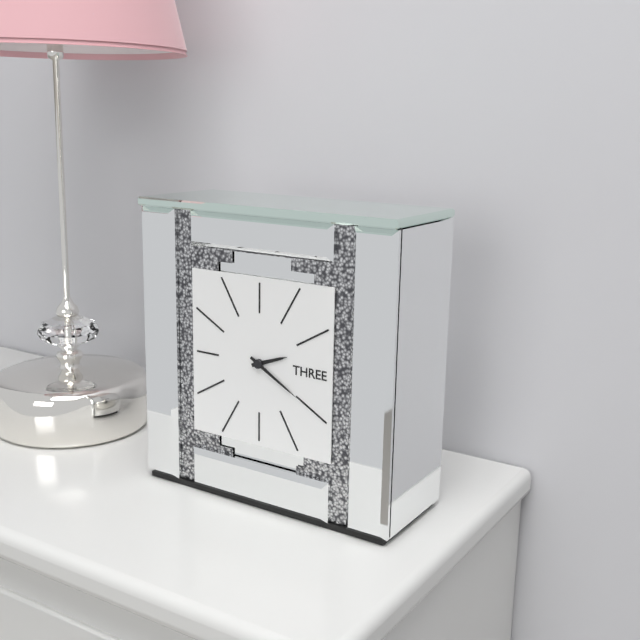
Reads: 2:20
